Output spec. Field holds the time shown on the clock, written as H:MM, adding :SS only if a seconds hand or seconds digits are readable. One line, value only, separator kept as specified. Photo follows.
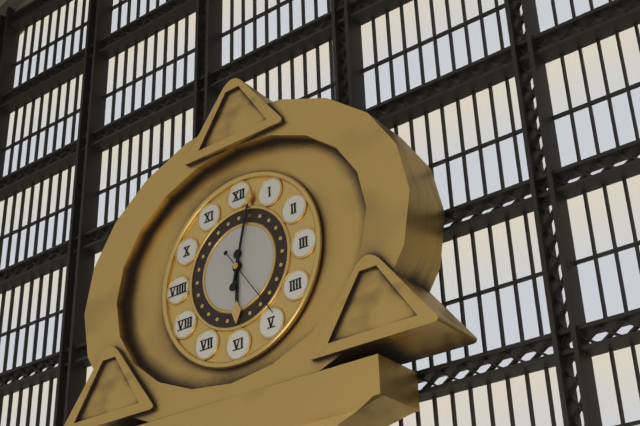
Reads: 6:02:24
